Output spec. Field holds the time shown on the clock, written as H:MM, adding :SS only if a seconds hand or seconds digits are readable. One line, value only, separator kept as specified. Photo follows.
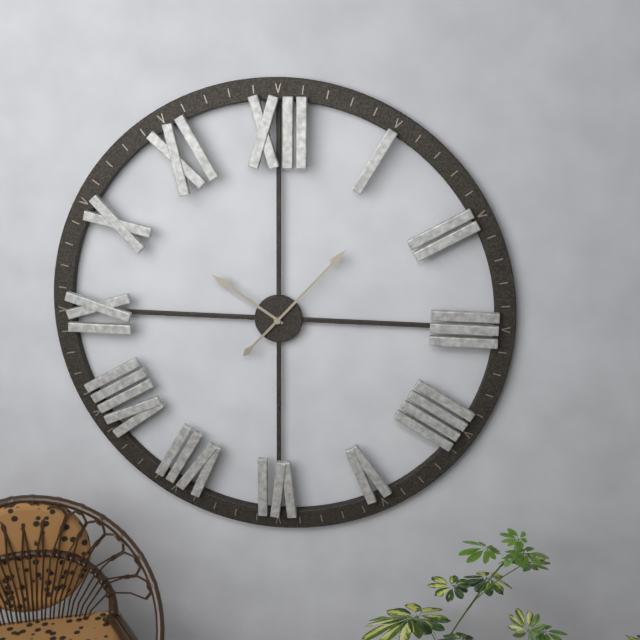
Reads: 10:07
